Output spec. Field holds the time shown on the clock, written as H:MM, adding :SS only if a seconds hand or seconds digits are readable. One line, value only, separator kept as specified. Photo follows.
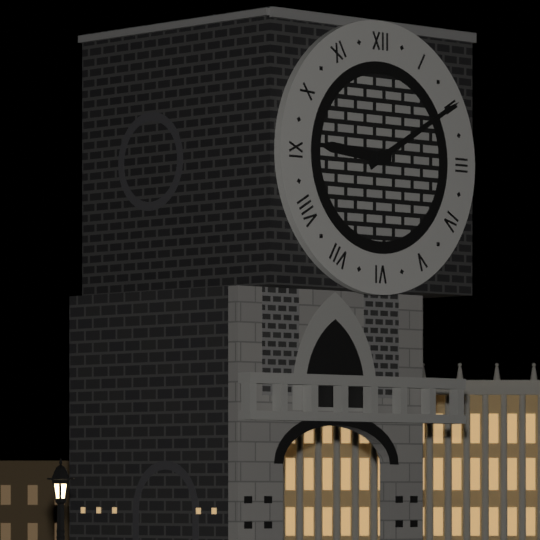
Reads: 9:10
